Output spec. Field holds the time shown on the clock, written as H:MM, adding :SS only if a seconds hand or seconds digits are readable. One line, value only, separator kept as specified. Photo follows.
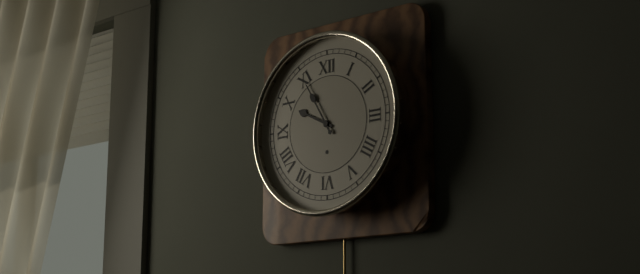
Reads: 9:55
